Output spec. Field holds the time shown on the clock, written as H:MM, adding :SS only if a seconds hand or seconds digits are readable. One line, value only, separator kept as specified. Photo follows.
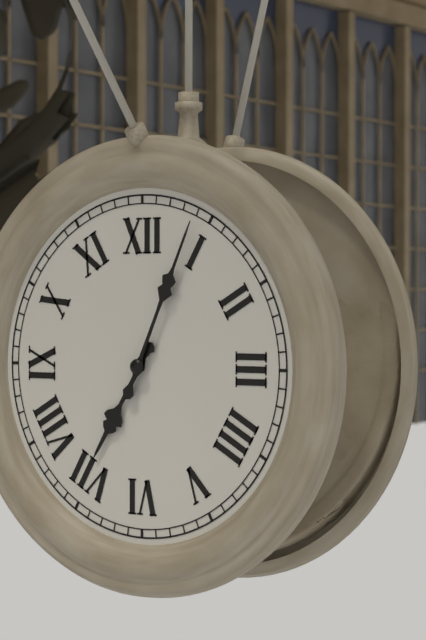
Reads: 7:04
